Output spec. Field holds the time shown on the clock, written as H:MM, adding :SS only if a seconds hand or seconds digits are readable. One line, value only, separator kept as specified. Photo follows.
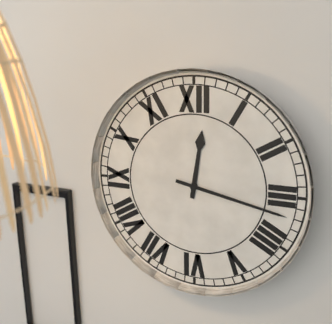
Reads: 12:17
